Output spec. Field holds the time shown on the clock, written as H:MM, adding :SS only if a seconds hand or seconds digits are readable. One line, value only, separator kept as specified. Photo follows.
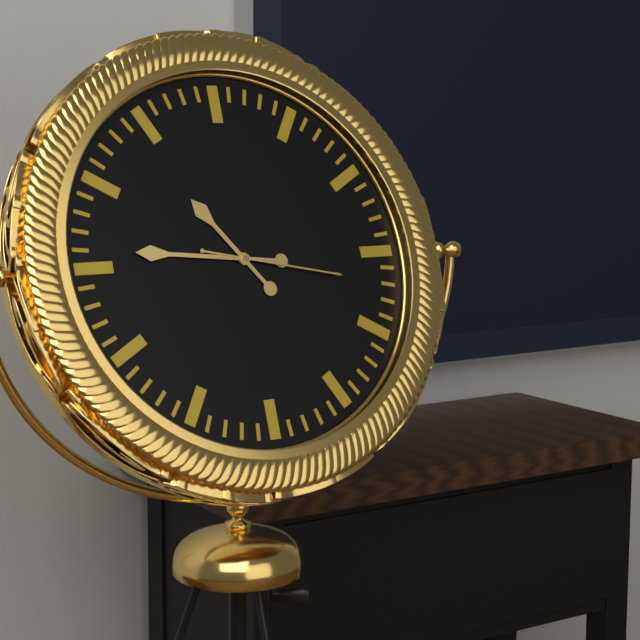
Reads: 10:46:17
